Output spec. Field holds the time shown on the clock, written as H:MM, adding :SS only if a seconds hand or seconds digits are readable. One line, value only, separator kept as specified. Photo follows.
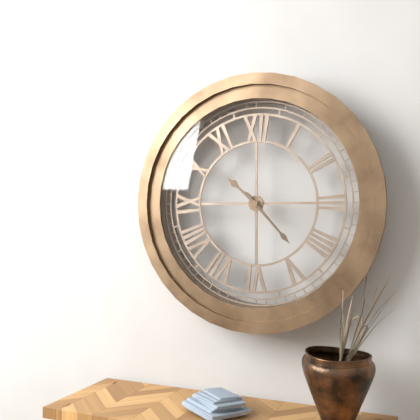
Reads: 10:23
